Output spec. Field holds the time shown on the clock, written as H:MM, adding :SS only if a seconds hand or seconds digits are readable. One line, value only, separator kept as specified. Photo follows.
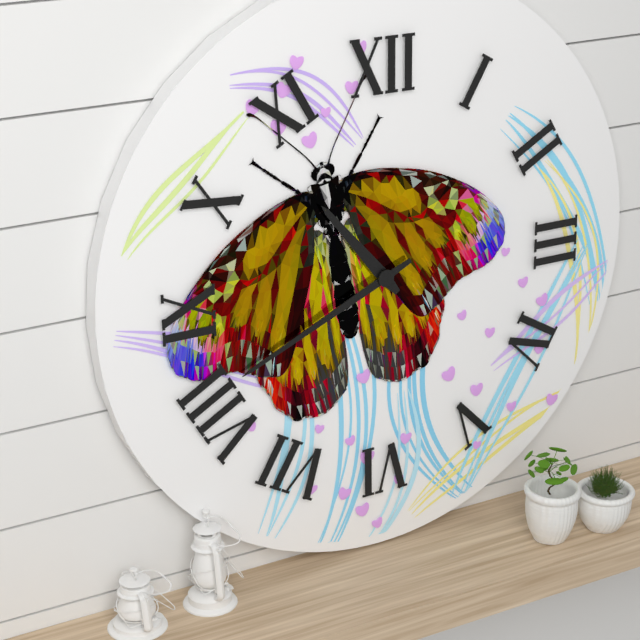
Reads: 10:41
